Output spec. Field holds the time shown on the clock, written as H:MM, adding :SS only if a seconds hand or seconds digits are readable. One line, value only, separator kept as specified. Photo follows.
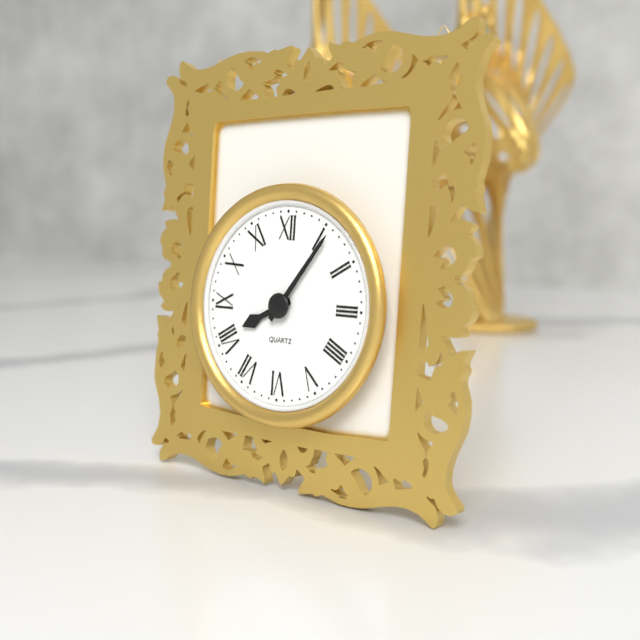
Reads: 8:06
